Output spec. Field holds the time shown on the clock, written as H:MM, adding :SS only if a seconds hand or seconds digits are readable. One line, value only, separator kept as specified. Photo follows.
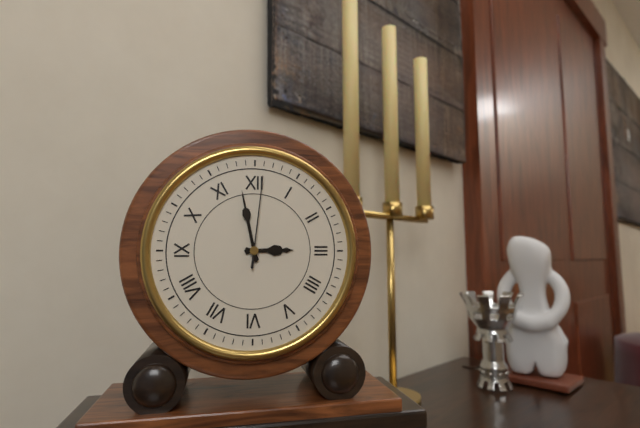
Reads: 2:58:01
